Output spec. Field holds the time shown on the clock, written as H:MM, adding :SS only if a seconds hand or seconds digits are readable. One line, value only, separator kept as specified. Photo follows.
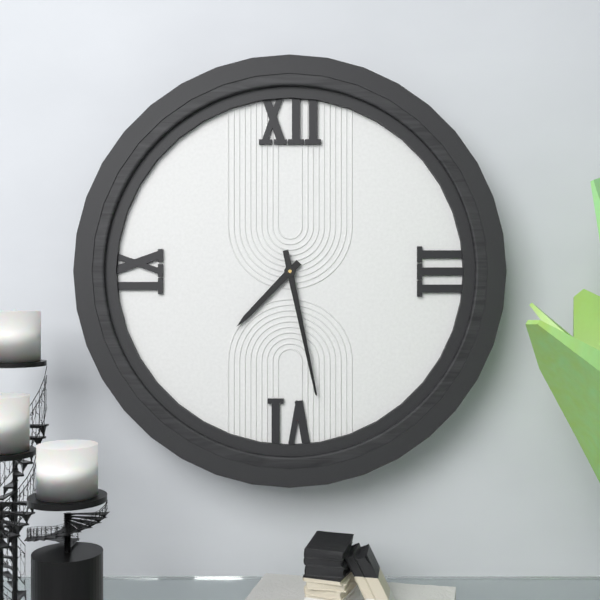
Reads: 7:28
